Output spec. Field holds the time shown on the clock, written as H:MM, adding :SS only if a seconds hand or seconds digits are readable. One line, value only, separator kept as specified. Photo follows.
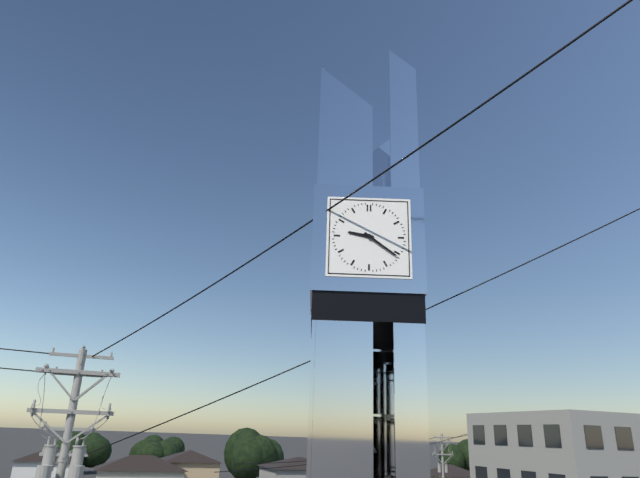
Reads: 9:21
